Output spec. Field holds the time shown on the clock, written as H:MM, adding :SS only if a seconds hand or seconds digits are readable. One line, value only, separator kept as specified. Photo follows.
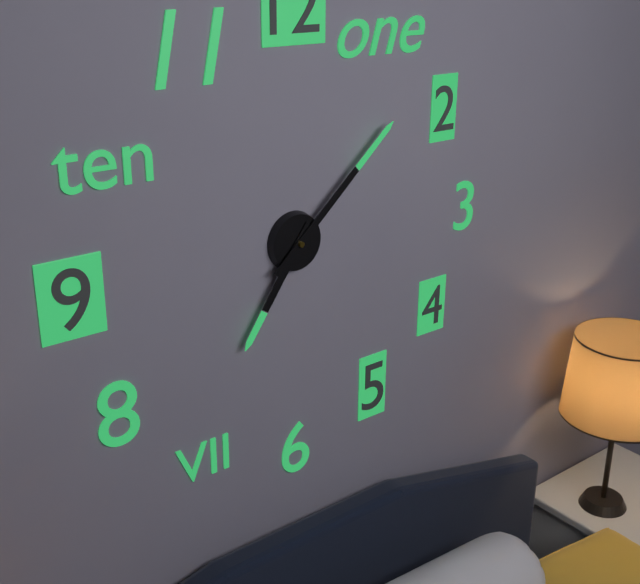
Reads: 7:08
